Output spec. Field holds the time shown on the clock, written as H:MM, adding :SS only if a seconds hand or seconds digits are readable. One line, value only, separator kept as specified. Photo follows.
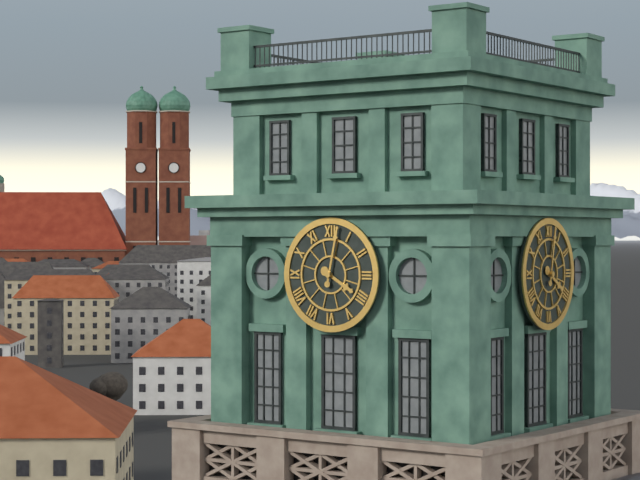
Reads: 4:02
